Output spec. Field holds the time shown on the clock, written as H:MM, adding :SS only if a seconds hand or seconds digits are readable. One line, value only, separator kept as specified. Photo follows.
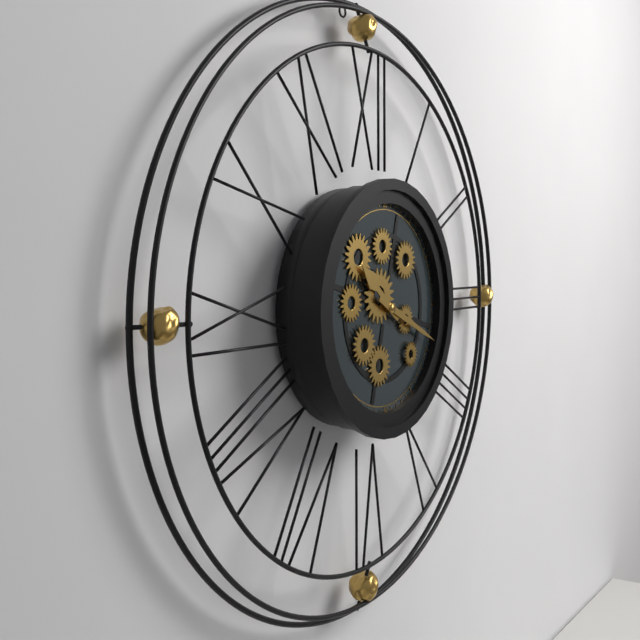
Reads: 10:19
